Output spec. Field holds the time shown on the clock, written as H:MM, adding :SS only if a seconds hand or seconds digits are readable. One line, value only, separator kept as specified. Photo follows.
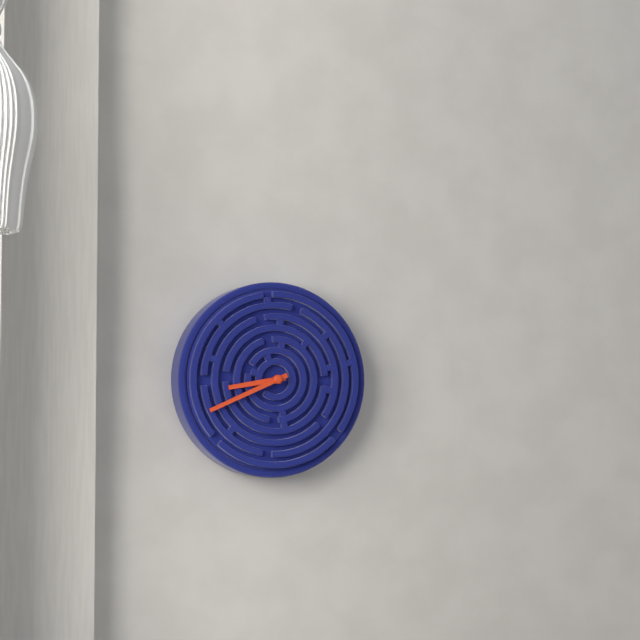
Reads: 8:41
